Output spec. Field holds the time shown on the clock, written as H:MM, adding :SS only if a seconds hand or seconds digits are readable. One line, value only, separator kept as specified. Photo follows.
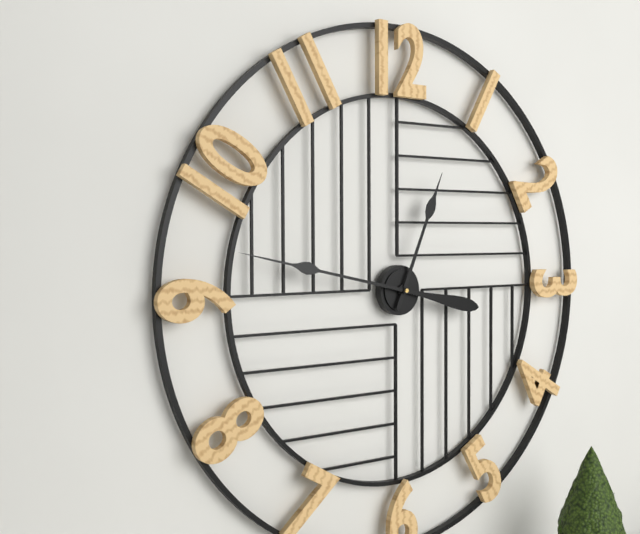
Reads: 12:47
